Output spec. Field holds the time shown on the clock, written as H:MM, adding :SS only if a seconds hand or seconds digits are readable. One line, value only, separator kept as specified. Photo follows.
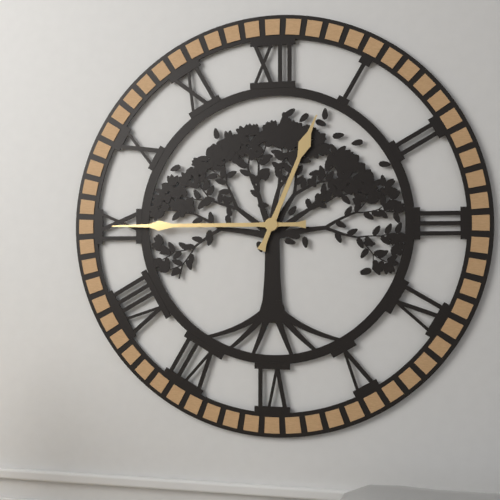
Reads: 12:45
